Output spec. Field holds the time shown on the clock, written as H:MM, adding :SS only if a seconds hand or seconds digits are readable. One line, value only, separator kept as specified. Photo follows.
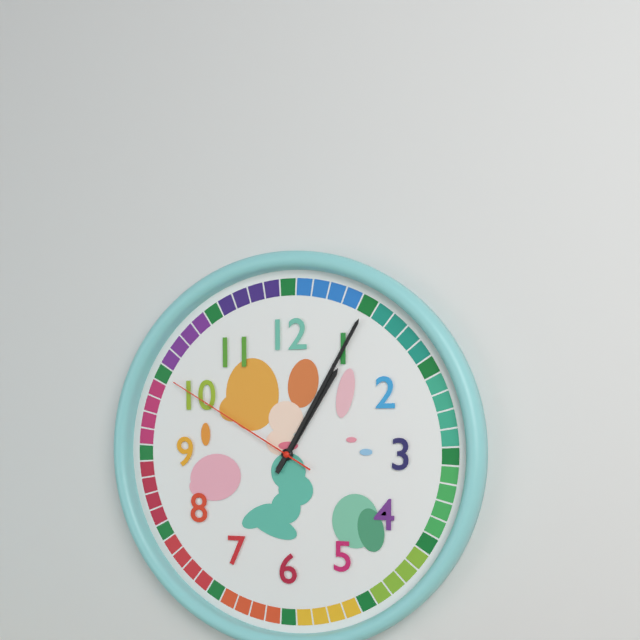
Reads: 1:05:50
